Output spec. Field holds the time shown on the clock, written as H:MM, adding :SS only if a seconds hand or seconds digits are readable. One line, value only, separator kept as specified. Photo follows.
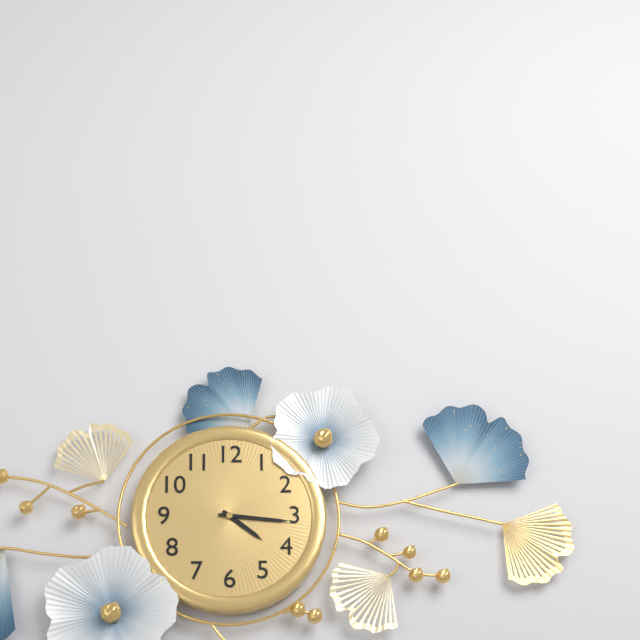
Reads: 4:16
